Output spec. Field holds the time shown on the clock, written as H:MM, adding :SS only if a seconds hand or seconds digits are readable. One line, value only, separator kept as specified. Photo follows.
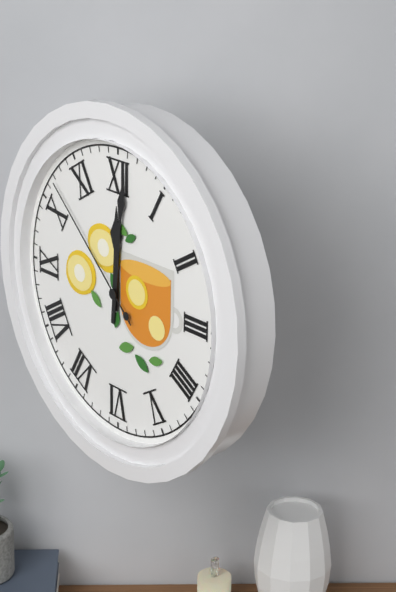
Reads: 12:01:52
